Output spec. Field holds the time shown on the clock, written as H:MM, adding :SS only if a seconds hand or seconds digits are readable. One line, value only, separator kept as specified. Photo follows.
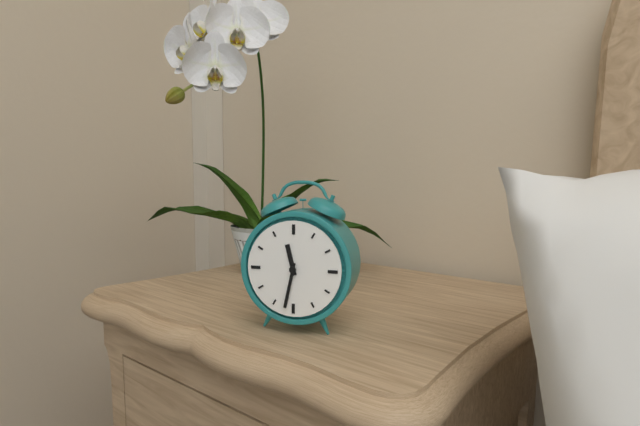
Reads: 11:32
